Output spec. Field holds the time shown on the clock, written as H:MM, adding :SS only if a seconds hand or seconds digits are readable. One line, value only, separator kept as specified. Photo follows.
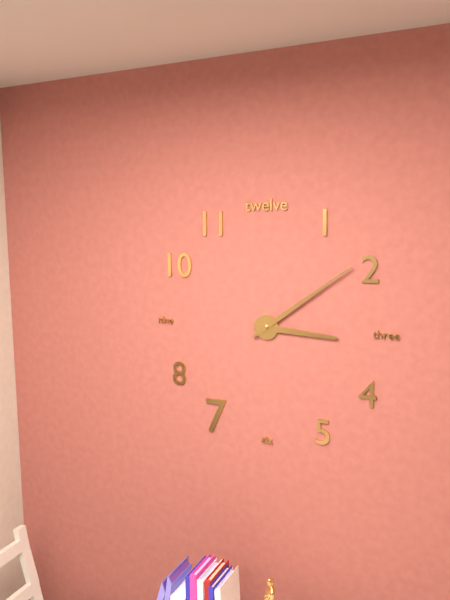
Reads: 3:09
